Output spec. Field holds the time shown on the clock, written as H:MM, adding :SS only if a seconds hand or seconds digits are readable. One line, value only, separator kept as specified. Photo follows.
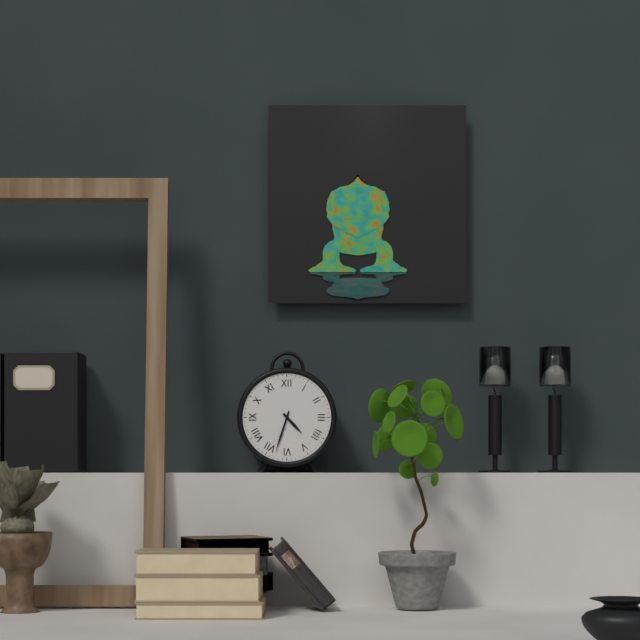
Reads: 4:33
